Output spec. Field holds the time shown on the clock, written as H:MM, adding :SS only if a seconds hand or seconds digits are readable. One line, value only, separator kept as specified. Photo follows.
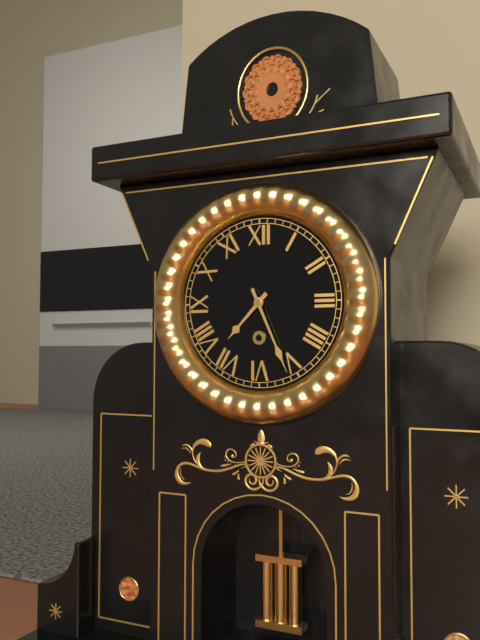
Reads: 7:26
